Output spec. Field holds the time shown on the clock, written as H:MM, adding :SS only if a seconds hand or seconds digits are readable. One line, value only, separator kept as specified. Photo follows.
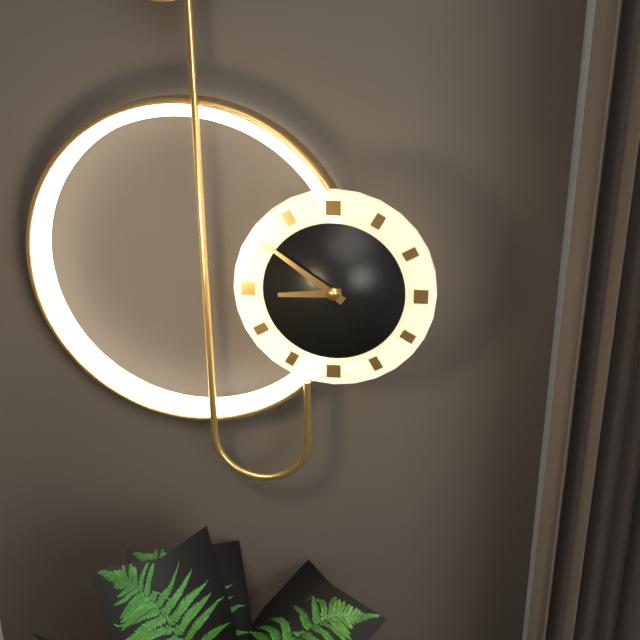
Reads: 8:51
